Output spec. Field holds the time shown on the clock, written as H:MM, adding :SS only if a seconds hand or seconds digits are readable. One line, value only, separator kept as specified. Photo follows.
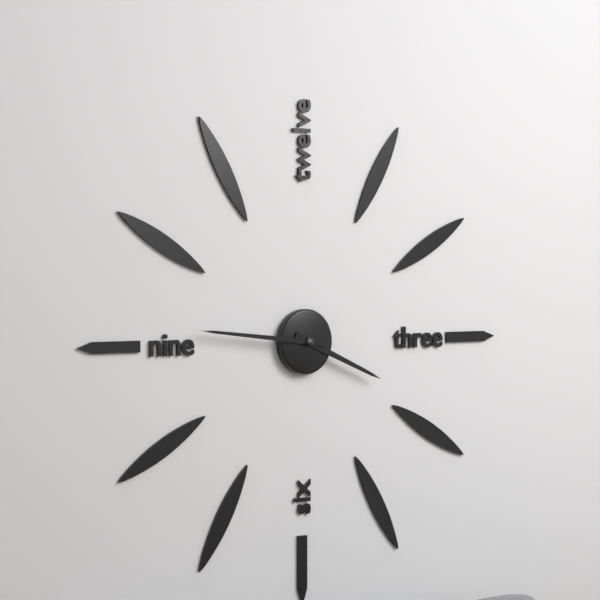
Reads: 3:46
